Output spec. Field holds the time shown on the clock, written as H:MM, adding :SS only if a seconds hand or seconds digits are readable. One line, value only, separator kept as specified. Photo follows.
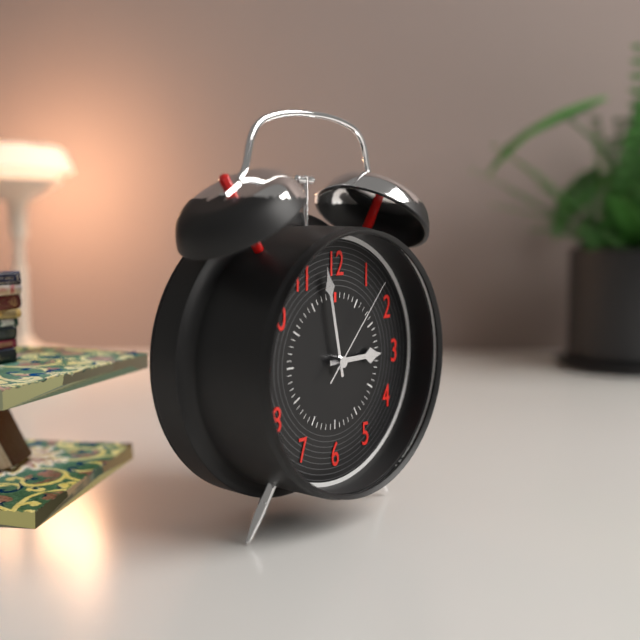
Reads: 2:58:07
